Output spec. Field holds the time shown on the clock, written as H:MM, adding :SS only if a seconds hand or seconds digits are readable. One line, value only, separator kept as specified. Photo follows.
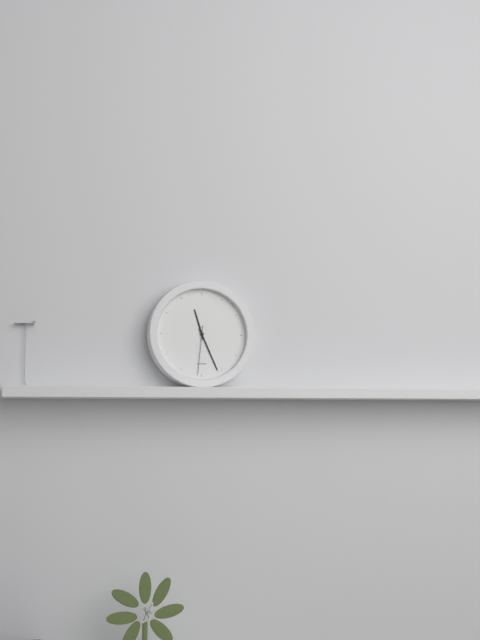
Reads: 11:26:31
